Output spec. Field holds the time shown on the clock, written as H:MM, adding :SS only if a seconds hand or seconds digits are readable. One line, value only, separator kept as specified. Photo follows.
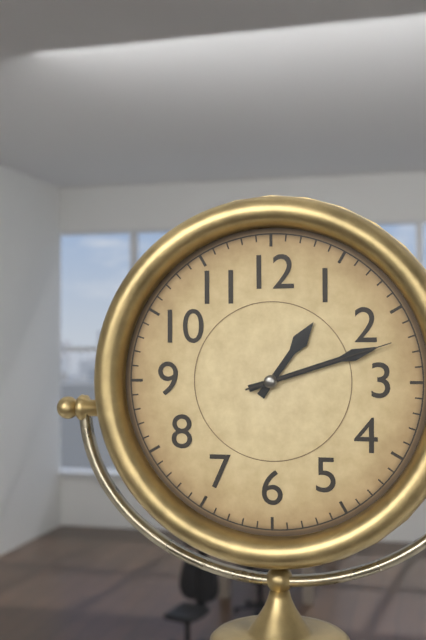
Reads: 1:12:12
